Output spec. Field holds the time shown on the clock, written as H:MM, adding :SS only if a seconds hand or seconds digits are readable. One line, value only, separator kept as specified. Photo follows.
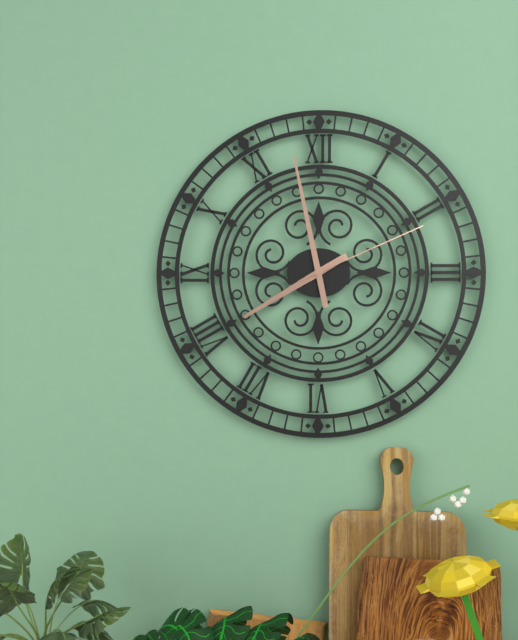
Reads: 7:58:11
